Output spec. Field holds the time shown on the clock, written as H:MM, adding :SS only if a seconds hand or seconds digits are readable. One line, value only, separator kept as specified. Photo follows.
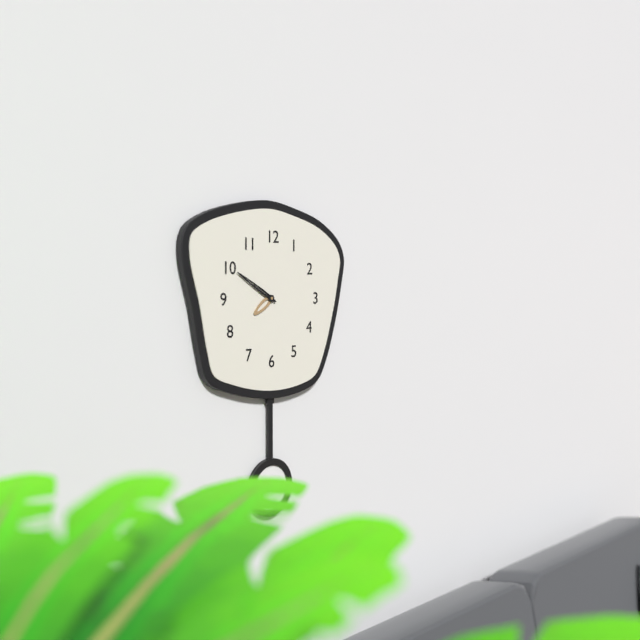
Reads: 7:50
